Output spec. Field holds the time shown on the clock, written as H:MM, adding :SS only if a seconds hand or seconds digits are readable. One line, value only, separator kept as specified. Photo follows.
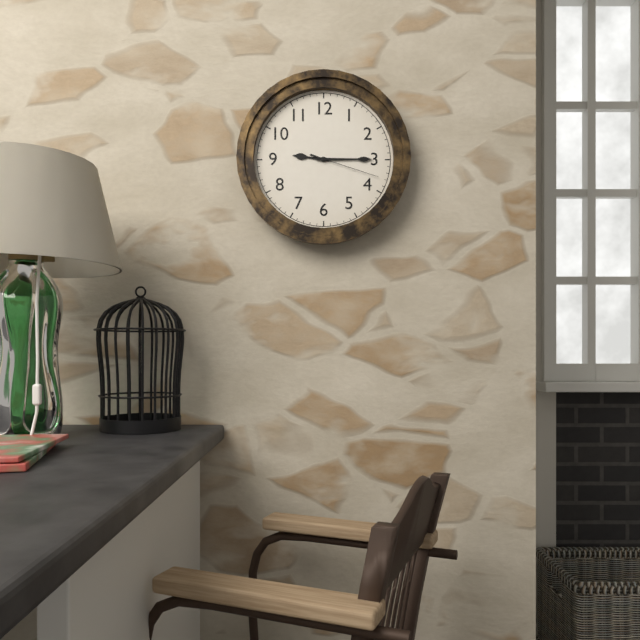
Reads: 9:15:18
